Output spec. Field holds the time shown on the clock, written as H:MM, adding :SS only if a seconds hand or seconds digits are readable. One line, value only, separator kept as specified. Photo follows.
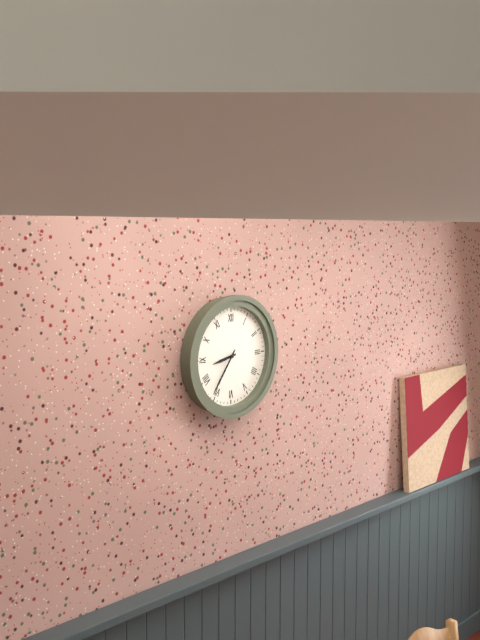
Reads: 8:36
